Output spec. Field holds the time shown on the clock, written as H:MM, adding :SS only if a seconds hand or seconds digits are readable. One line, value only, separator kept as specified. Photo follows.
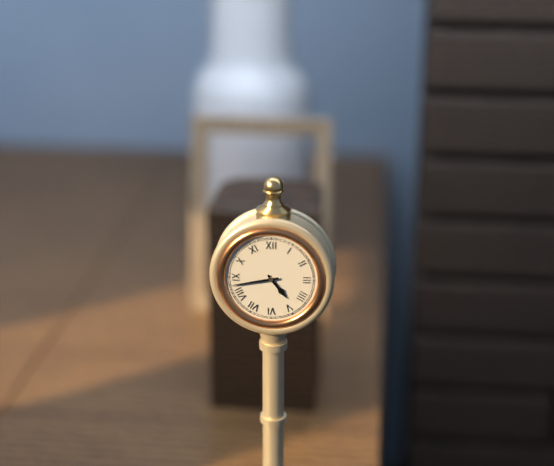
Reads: 4:43
